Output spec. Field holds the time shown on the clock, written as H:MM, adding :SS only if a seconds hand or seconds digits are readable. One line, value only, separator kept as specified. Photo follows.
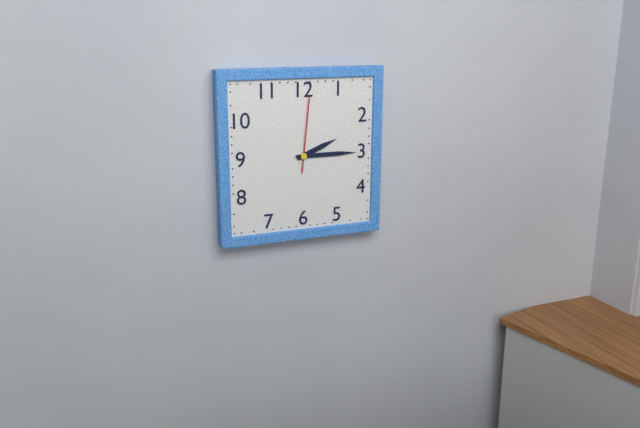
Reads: 2:15:01
